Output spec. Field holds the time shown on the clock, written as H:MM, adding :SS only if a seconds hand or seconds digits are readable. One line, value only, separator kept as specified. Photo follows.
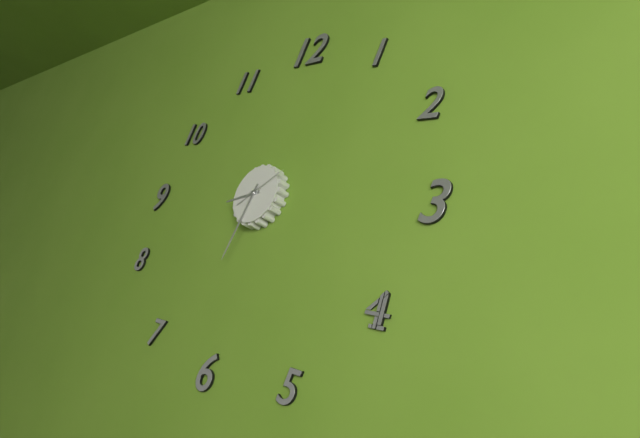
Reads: 8:32
